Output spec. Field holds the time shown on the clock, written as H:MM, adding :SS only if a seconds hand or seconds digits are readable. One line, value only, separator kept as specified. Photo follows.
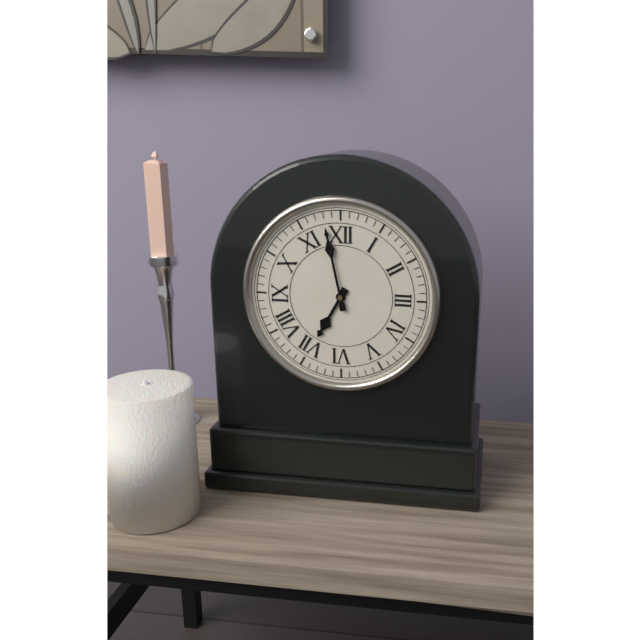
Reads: 6:58
